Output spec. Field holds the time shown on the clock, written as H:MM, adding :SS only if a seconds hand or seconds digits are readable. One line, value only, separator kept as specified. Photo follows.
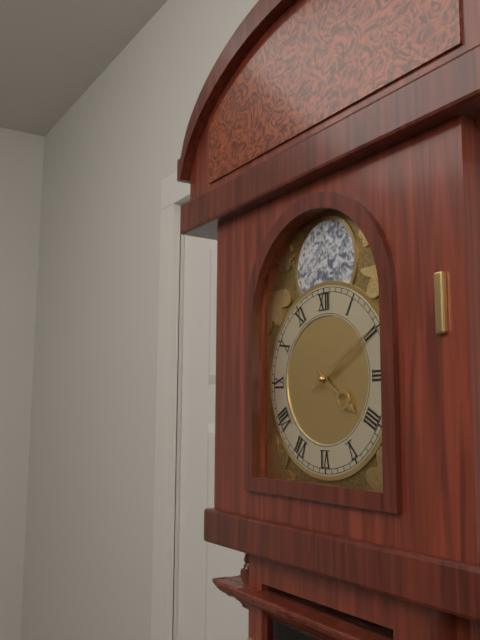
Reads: 4:10
